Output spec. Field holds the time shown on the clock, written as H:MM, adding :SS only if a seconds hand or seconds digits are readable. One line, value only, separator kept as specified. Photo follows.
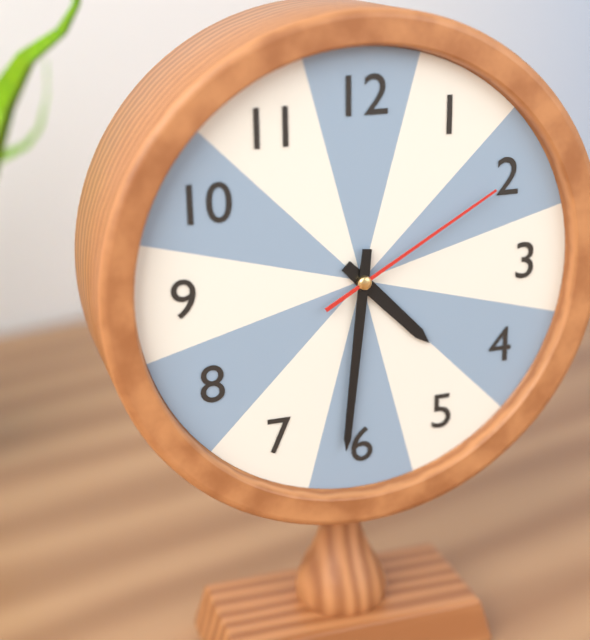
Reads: 4:31:10
